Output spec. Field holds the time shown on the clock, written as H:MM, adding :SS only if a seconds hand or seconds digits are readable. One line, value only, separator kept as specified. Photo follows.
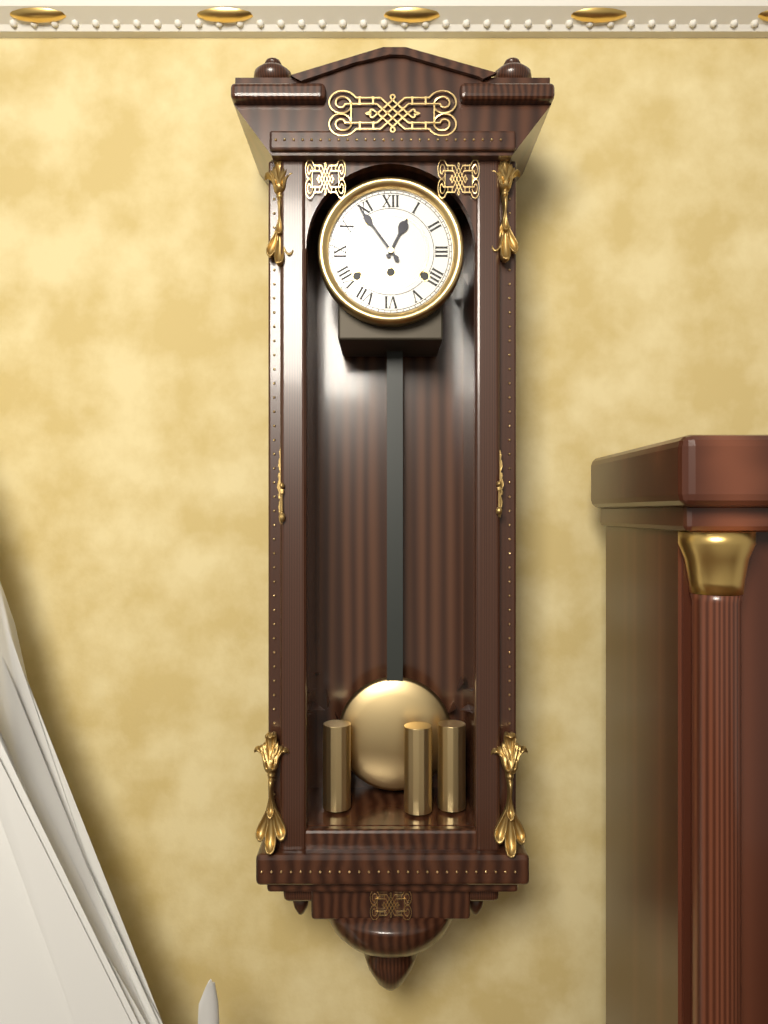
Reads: 12:54
